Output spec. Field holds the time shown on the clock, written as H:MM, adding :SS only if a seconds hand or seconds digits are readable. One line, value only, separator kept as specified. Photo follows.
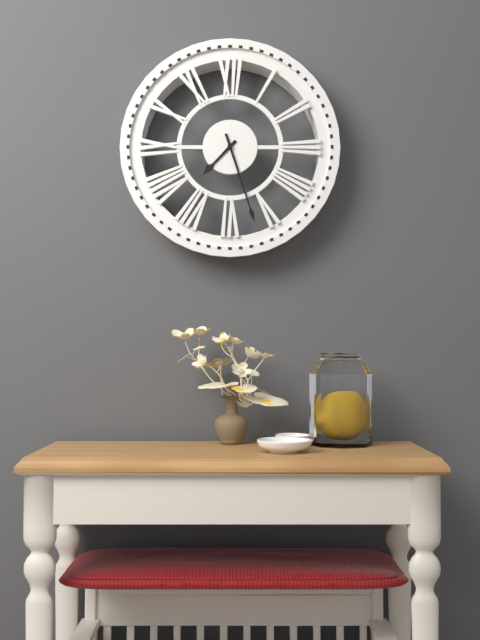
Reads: 7:27
